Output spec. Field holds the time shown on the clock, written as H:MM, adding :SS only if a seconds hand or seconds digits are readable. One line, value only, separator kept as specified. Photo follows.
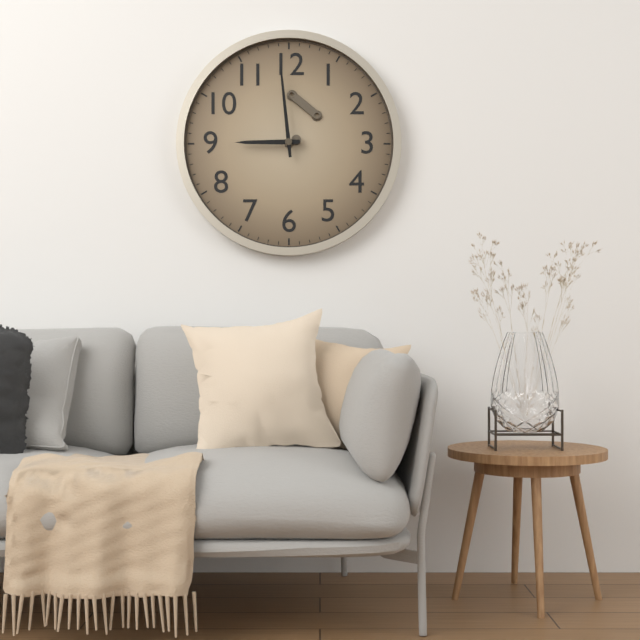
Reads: 8:59
